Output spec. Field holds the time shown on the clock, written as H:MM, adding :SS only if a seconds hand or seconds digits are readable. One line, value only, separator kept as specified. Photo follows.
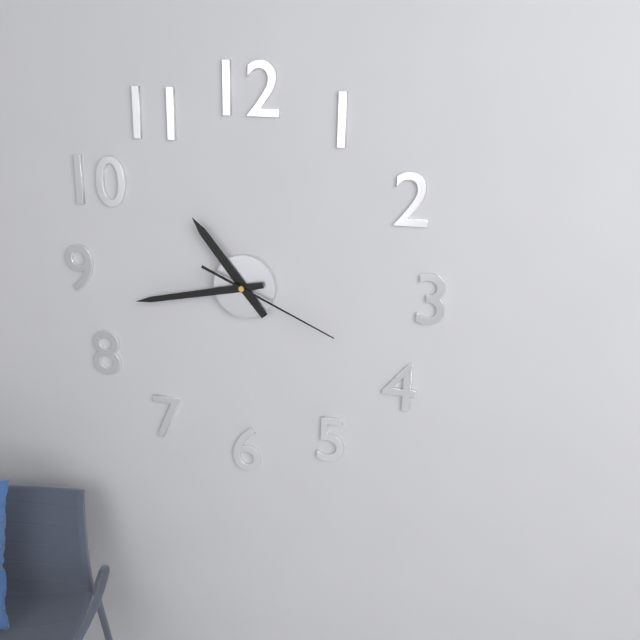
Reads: 10:43:19
